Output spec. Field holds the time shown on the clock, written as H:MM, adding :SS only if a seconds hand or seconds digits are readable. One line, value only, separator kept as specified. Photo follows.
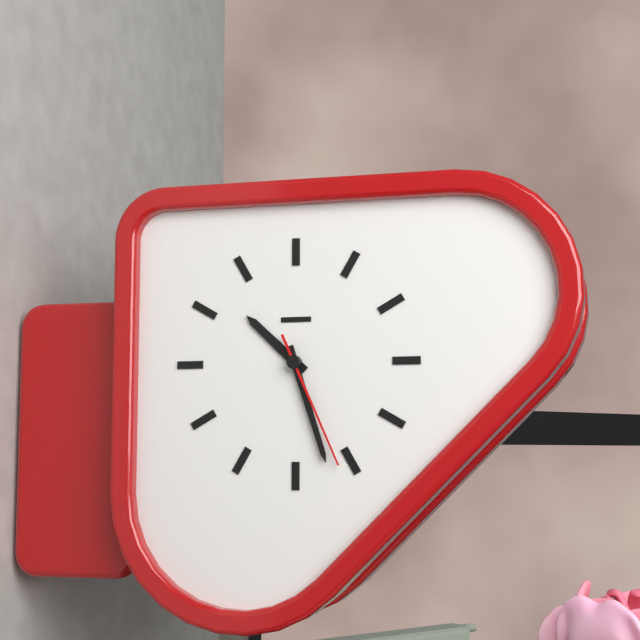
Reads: 10:27:26
